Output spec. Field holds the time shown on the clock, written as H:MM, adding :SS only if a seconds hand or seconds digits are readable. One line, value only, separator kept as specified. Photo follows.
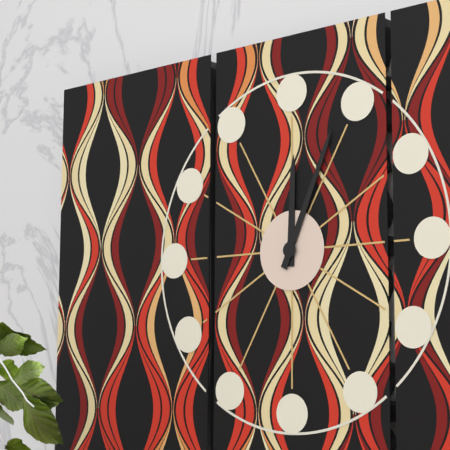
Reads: 12:04
